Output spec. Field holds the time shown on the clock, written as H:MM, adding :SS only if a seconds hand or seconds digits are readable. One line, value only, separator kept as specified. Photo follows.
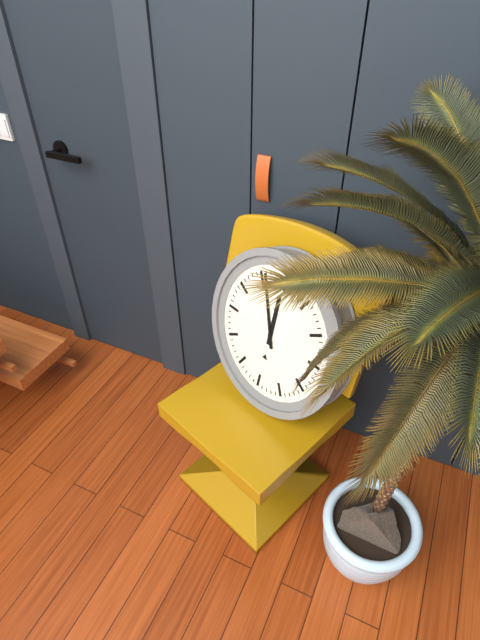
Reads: 11:56
